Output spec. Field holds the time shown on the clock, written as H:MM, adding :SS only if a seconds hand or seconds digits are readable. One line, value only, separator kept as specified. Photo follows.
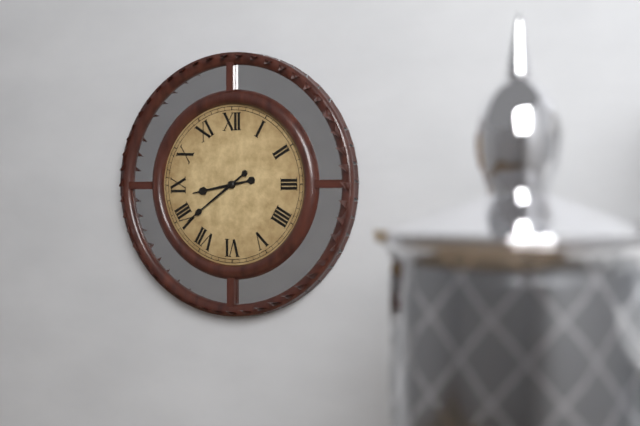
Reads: 8:39
